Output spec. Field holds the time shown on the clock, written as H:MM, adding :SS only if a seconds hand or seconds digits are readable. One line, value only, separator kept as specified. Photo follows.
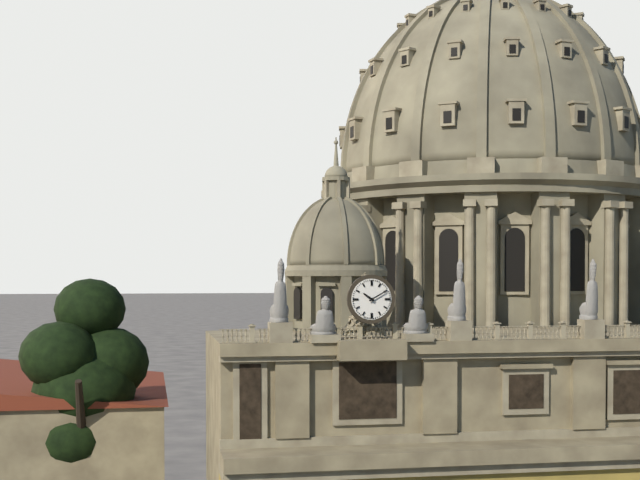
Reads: 10:10
